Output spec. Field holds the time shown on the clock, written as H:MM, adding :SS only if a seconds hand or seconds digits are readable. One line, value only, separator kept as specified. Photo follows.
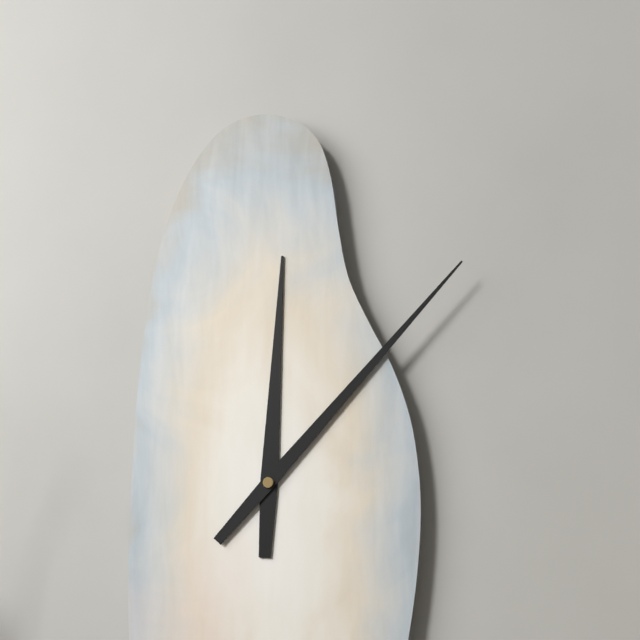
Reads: 12:07
